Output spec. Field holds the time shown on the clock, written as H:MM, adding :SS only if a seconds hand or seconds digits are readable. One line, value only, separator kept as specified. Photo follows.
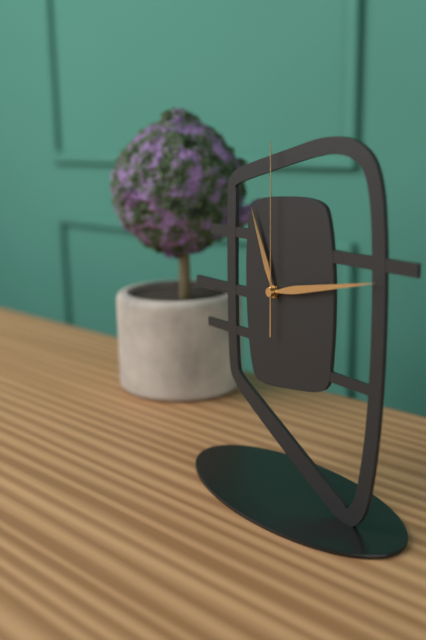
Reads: 11:13:00
